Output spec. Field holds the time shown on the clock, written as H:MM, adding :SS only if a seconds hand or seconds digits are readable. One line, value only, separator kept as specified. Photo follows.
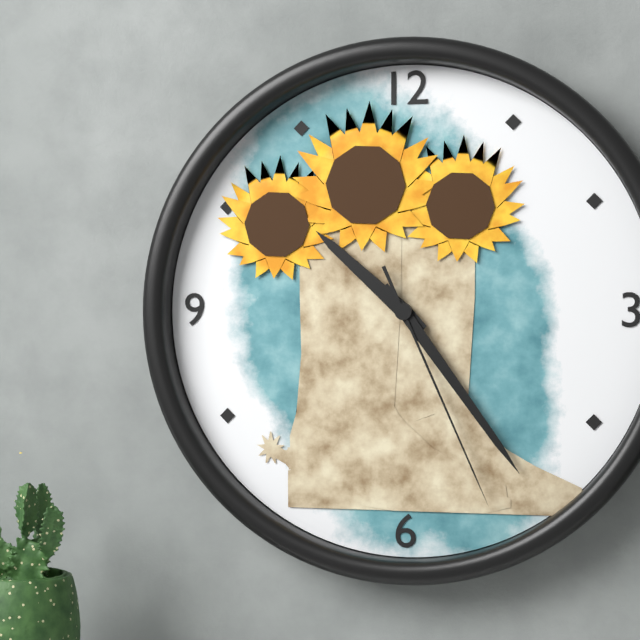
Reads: 10:24:26
